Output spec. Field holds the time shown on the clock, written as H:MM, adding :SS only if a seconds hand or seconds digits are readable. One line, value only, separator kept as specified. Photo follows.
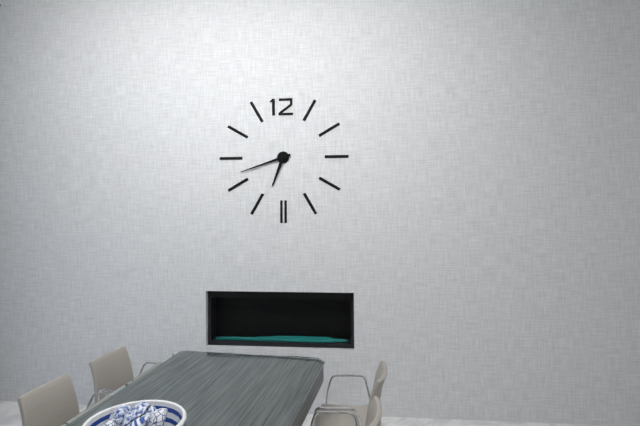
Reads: 6:42
